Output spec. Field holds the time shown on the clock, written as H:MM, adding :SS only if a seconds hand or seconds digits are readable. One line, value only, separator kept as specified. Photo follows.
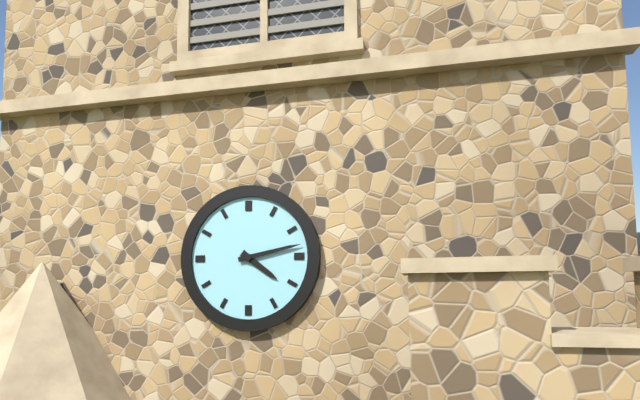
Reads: 4:13
